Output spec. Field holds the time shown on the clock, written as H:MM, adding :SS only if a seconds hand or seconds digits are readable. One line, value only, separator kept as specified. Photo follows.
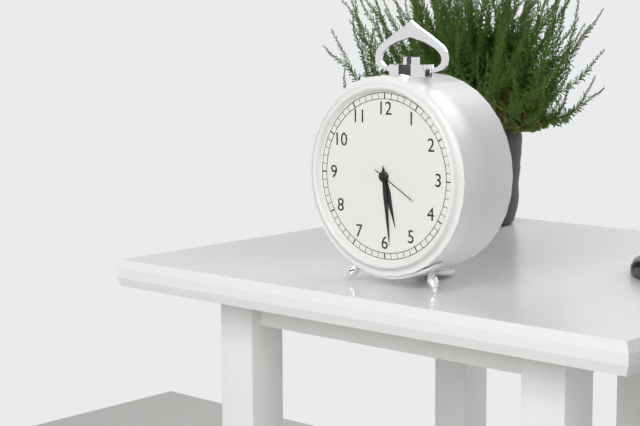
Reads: 5:29
